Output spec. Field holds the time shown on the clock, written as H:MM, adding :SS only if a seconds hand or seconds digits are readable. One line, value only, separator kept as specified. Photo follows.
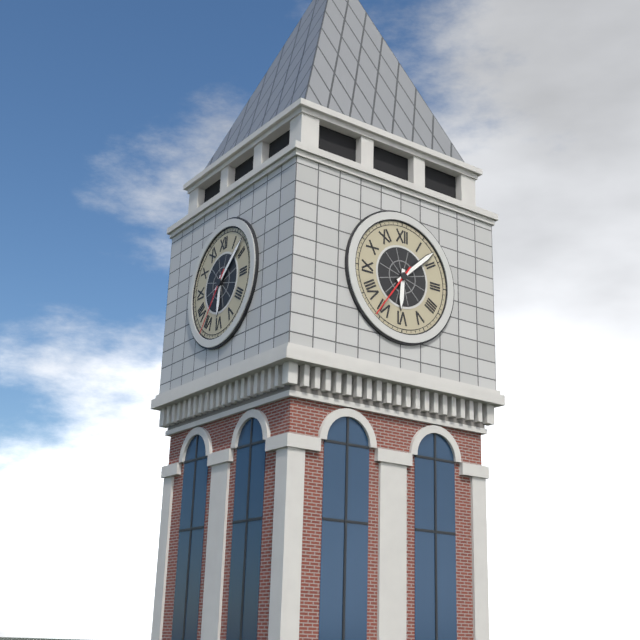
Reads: 6:08:36
